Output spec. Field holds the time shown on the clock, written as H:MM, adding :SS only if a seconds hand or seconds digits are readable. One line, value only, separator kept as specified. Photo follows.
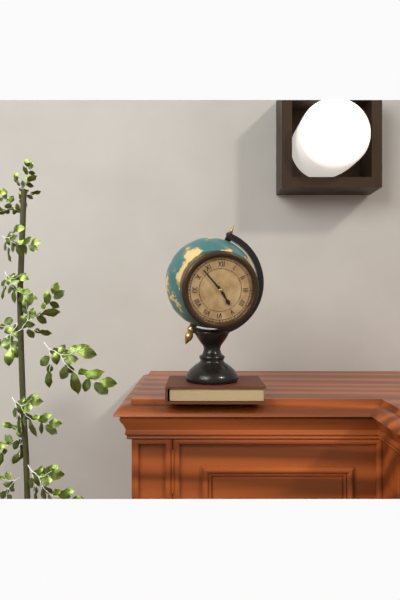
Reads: 4:53
